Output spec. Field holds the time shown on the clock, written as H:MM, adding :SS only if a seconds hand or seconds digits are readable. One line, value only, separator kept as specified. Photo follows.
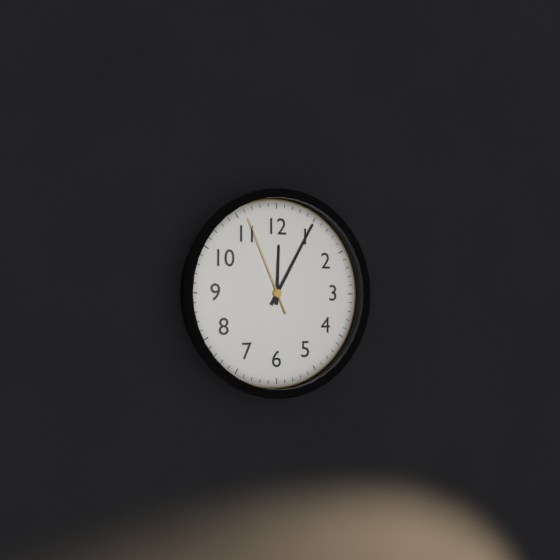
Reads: 12:05:56
